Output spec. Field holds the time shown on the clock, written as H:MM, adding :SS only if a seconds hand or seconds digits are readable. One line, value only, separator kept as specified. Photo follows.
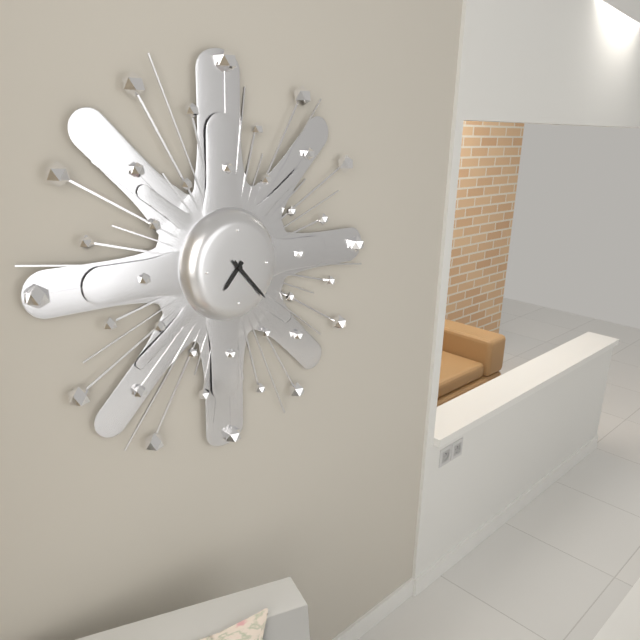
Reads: 7:23
